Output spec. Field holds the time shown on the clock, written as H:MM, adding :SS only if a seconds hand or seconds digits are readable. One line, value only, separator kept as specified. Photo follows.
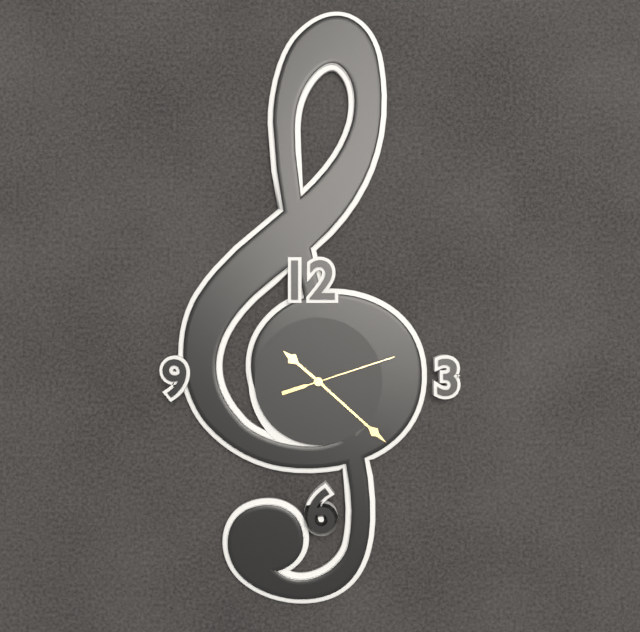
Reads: 10:22:12
